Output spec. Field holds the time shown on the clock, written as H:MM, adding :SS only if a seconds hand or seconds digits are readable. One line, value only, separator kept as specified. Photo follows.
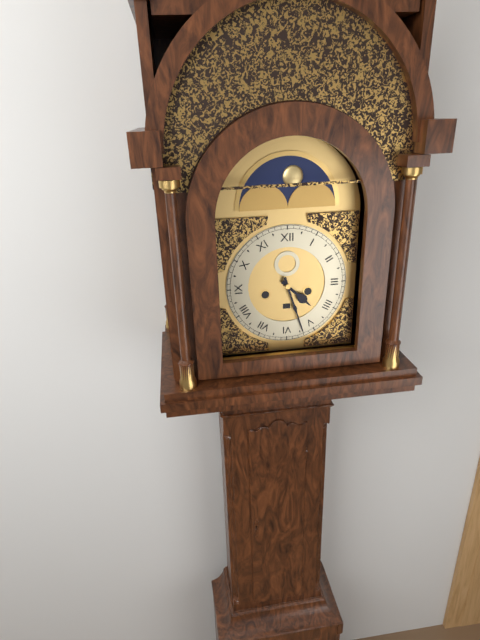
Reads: 4:27
